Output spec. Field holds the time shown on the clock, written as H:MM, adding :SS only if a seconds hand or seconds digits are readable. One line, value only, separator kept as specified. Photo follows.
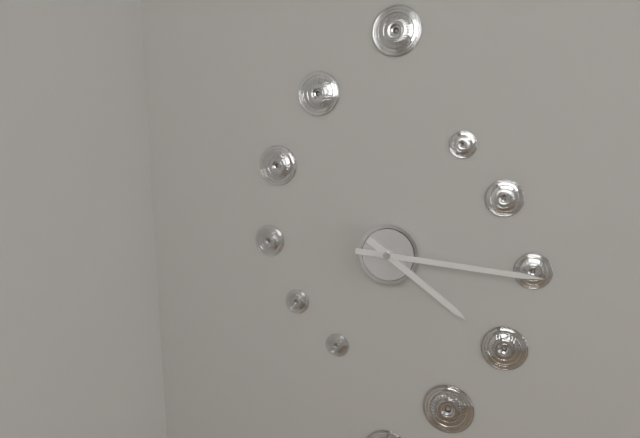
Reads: 4:16
